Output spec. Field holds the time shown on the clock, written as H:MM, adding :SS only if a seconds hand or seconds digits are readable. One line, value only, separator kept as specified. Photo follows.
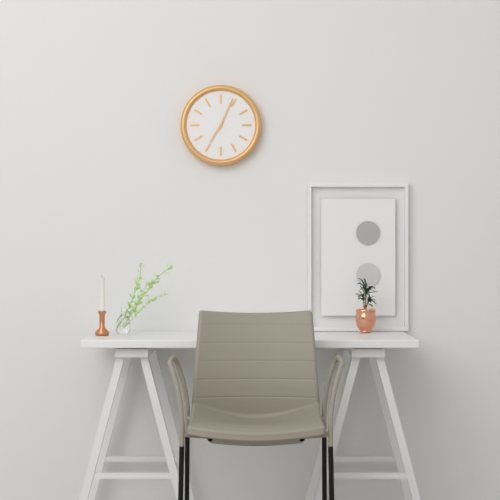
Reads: 7:04
